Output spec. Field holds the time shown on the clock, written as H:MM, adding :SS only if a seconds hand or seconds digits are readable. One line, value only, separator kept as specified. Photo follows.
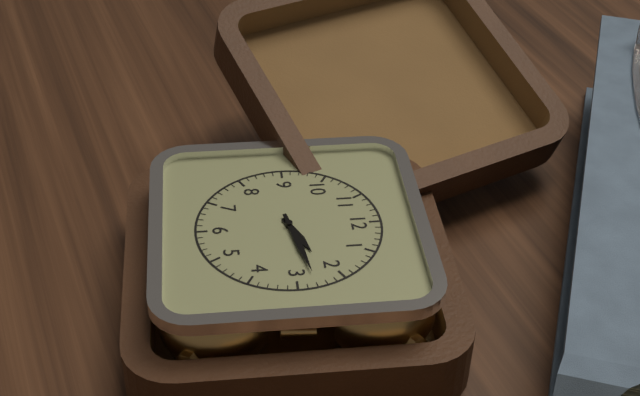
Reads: 2:13
